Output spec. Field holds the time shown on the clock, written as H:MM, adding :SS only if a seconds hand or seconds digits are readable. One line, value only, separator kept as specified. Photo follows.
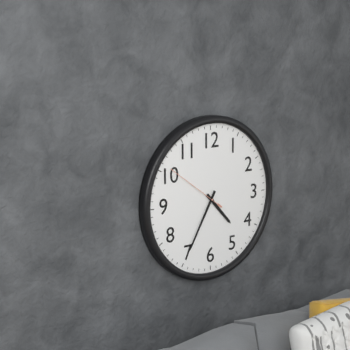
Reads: 4:35:51
